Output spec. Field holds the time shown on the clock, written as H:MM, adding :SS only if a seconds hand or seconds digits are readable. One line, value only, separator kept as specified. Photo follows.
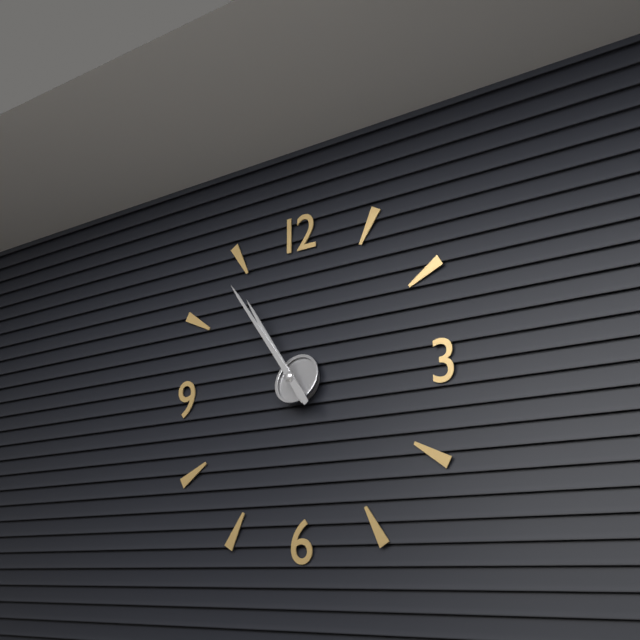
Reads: 10:54
